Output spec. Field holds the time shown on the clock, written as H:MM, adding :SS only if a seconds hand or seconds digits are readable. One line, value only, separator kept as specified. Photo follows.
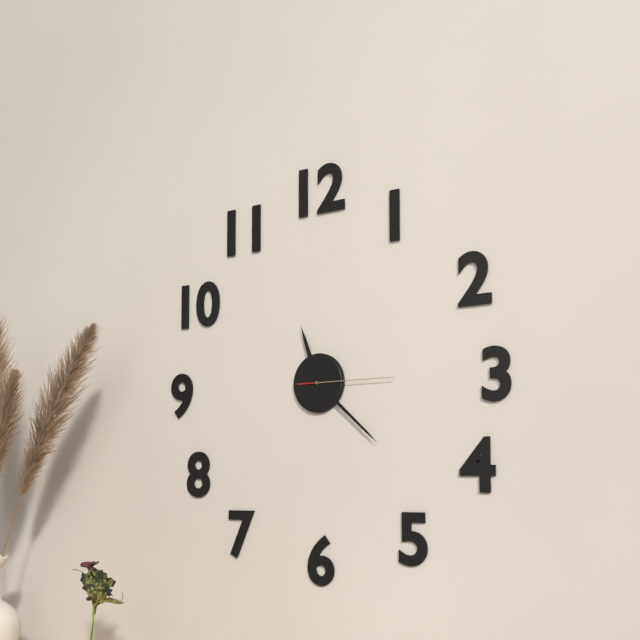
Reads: 11:22:15
